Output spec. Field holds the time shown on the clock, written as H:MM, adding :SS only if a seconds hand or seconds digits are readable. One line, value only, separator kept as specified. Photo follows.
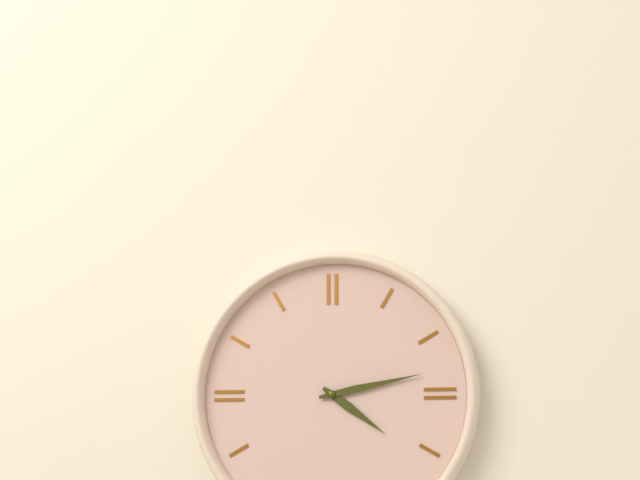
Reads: 4:13
